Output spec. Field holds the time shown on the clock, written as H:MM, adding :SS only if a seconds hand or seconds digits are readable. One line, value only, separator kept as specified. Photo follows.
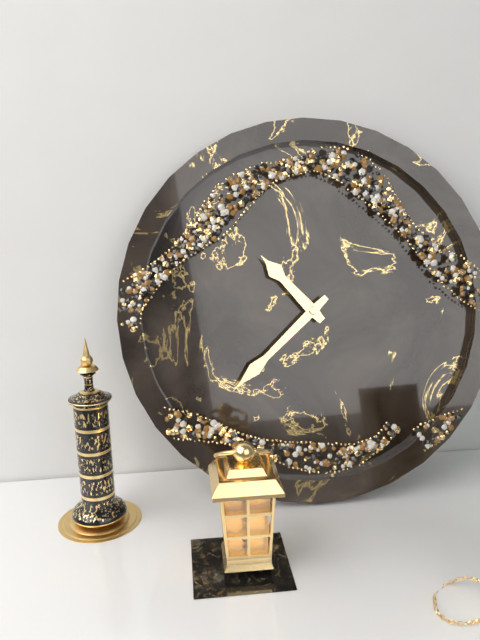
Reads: 10:38
